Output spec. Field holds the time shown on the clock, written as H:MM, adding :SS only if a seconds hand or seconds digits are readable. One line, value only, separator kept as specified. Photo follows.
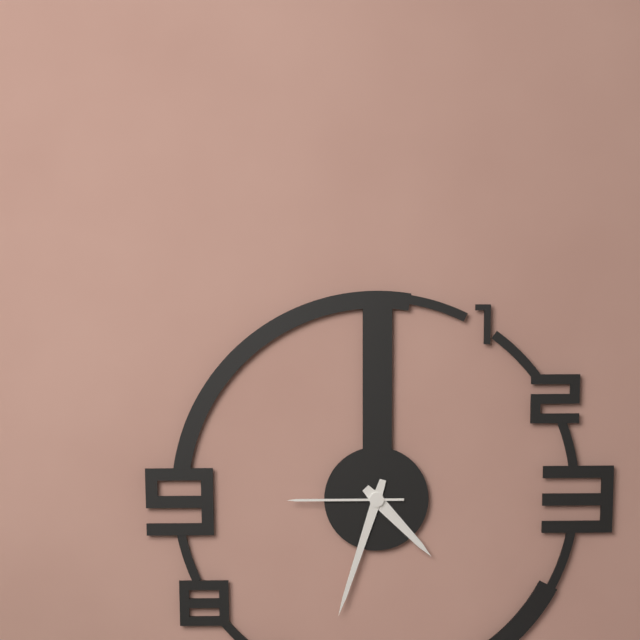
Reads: 4:33:45
